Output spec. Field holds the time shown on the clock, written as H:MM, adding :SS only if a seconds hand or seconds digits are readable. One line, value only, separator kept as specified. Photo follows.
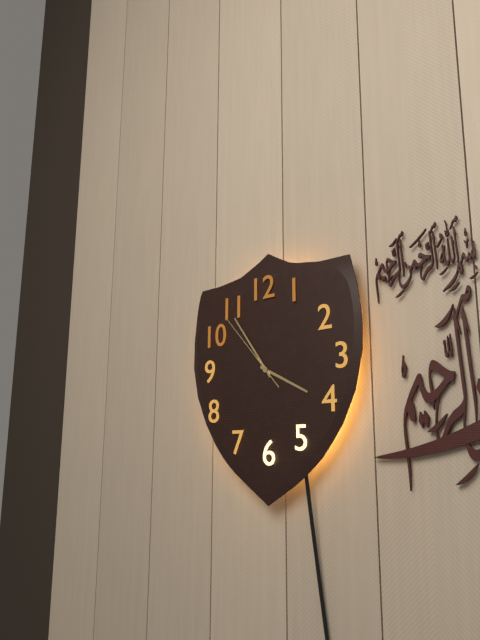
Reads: 3:54:53
